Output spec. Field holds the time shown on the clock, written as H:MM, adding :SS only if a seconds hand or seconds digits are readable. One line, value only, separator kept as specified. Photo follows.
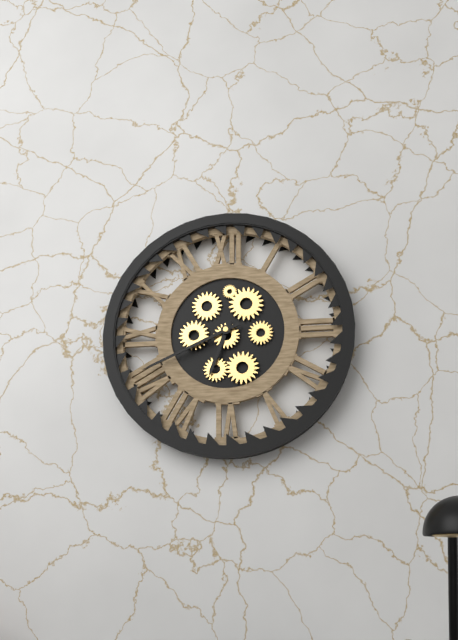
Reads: 6:41
